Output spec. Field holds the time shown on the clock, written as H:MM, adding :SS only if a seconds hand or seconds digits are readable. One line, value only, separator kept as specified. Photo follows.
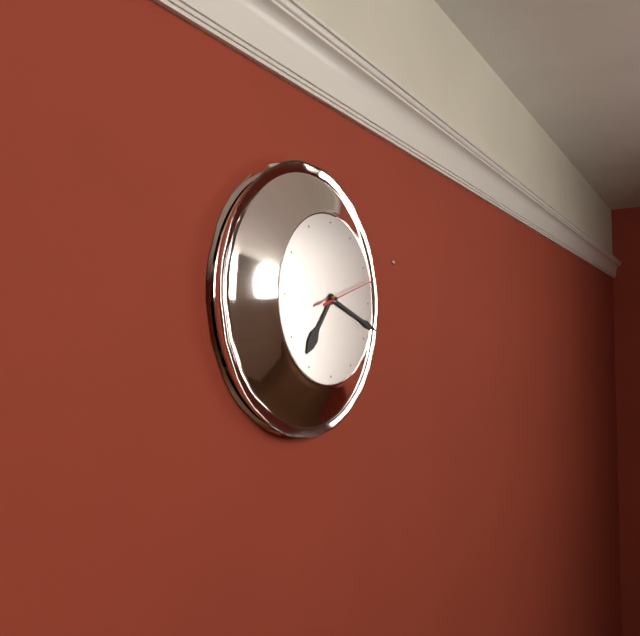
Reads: 7:18:12
